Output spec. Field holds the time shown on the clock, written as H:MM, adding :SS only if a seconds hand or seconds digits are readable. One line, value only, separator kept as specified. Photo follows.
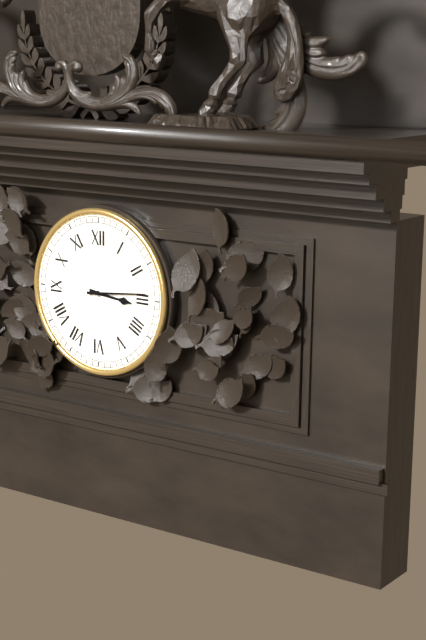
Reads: 3:14
